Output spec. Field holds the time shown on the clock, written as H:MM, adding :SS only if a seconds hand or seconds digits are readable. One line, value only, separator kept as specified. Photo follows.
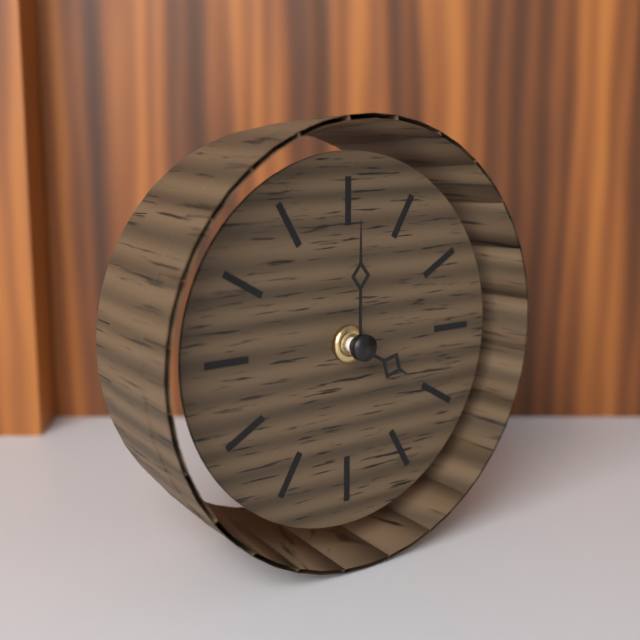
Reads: 4:00
